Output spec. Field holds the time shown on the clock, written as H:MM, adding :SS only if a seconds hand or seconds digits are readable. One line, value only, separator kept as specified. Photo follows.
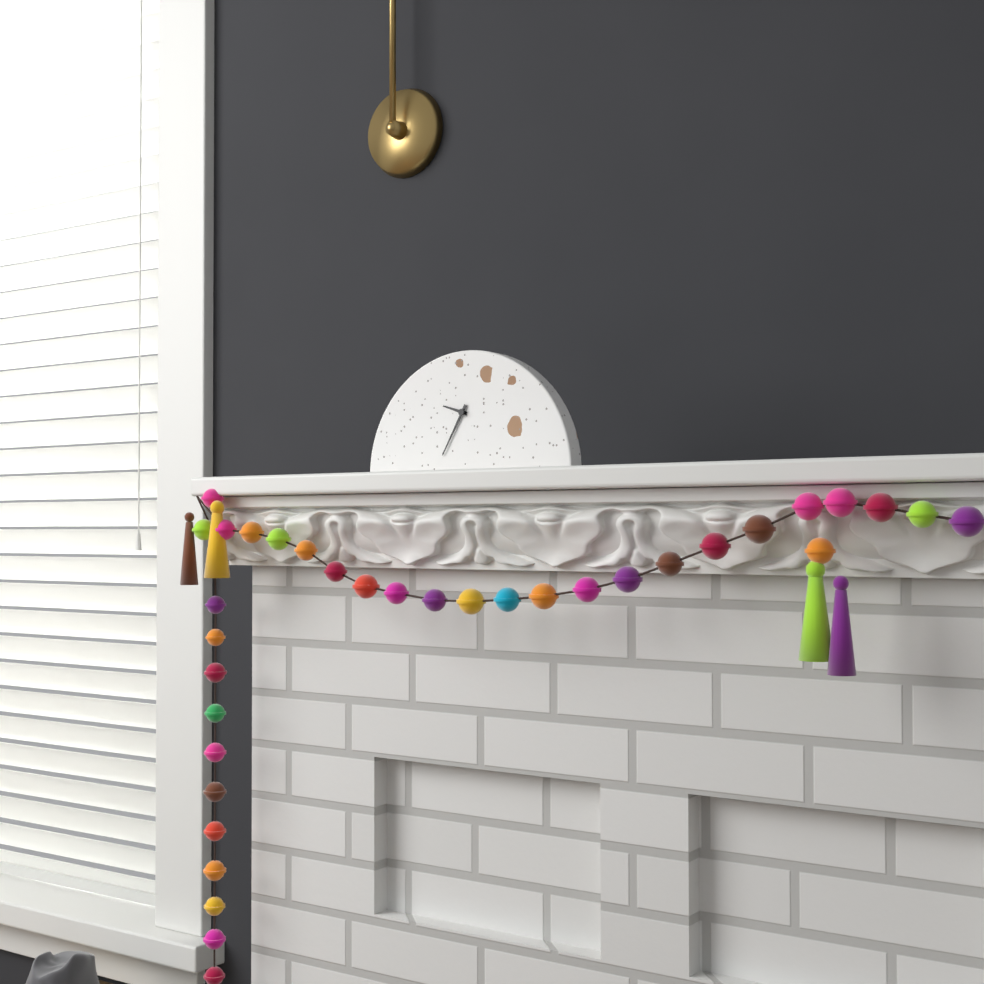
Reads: 9:35
